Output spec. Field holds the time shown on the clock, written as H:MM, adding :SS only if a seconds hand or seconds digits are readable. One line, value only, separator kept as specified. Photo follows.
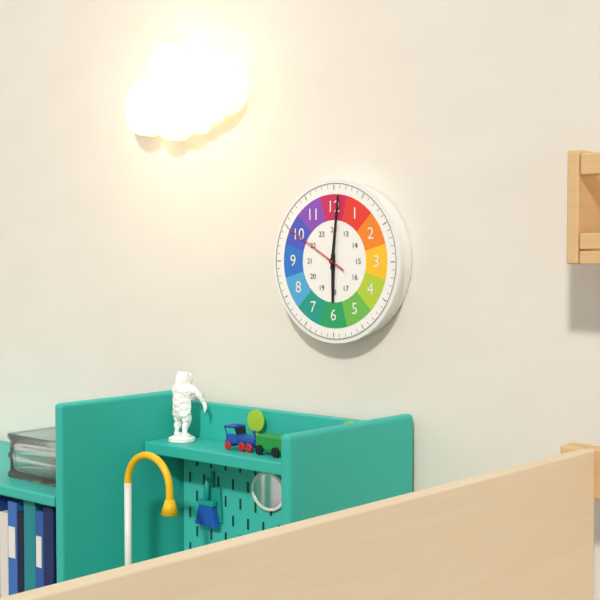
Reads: 6:01:50
